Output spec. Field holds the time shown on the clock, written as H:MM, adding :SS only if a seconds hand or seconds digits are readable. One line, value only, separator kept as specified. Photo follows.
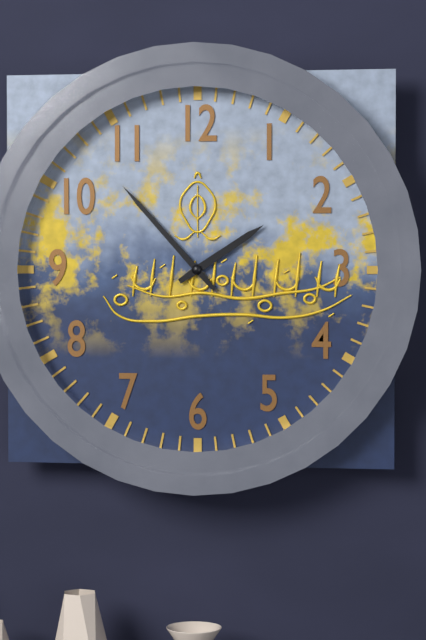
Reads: 1:53
